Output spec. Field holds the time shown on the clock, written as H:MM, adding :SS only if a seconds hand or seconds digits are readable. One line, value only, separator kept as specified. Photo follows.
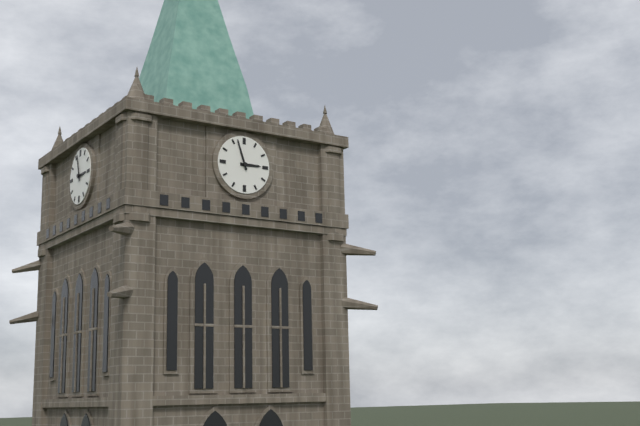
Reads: 2:57
